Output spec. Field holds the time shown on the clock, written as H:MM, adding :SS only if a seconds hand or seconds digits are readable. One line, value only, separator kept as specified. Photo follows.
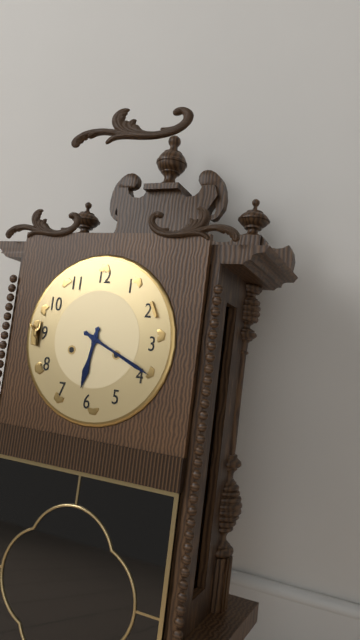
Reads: 6:19
